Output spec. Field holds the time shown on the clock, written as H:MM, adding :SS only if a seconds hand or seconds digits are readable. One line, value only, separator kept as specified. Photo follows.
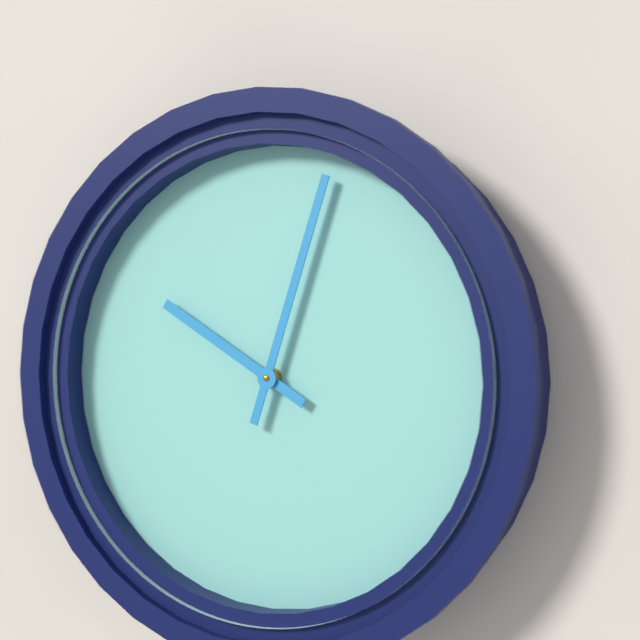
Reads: 10:03
